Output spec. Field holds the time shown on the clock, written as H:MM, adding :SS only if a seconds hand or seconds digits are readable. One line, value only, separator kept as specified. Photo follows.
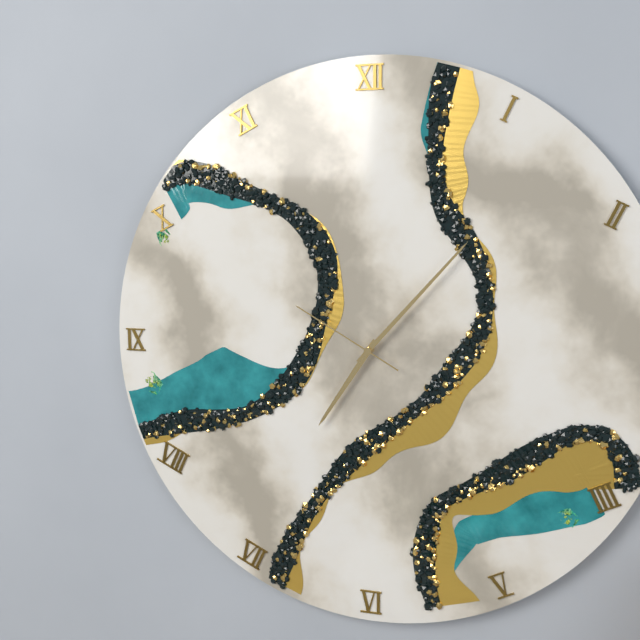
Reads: 7:07:50
